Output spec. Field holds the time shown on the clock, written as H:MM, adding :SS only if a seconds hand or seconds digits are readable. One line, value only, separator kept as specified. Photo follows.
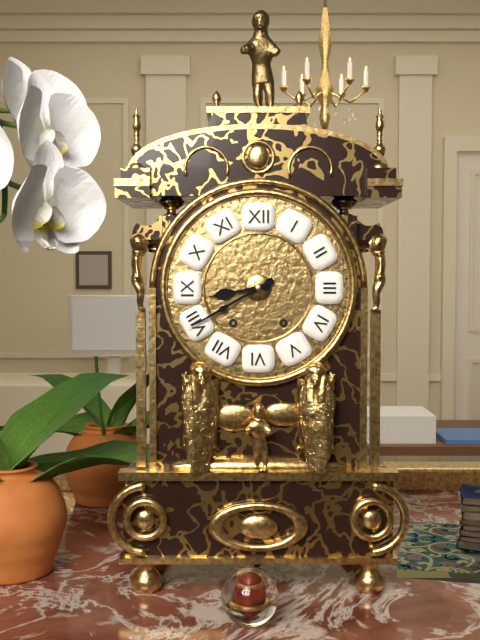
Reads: 8:40
